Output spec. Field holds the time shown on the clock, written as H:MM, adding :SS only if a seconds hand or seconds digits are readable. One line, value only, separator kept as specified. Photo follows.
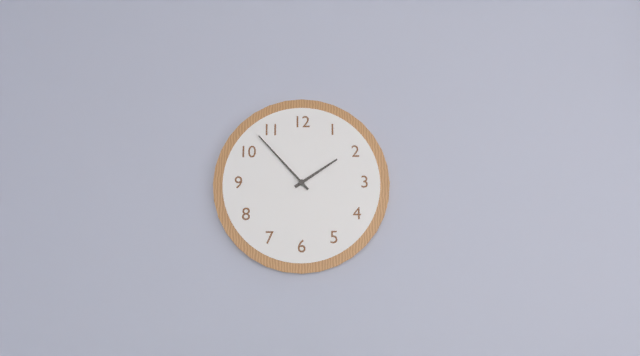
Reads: 1:53
